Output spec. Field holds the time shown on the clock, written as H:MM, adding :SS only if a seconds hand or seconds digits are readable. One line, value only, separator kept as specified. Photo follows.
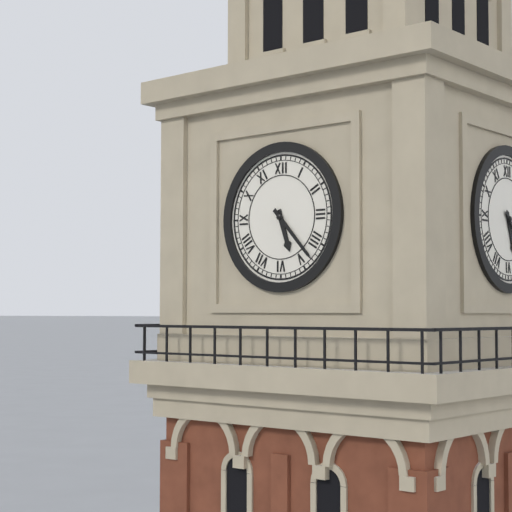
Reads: 5:23
